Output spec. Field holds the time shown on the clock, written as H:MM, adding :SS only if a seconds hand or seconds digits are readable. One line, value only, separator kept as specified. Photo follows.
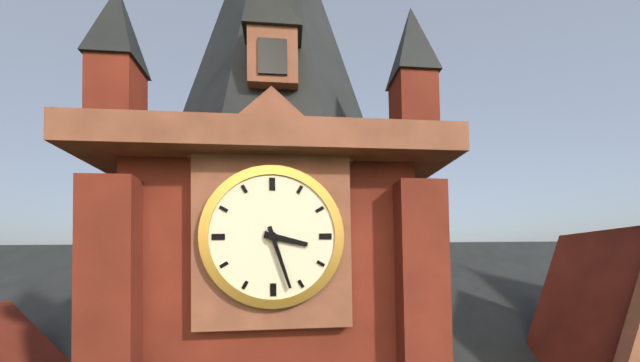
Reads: 3:27
